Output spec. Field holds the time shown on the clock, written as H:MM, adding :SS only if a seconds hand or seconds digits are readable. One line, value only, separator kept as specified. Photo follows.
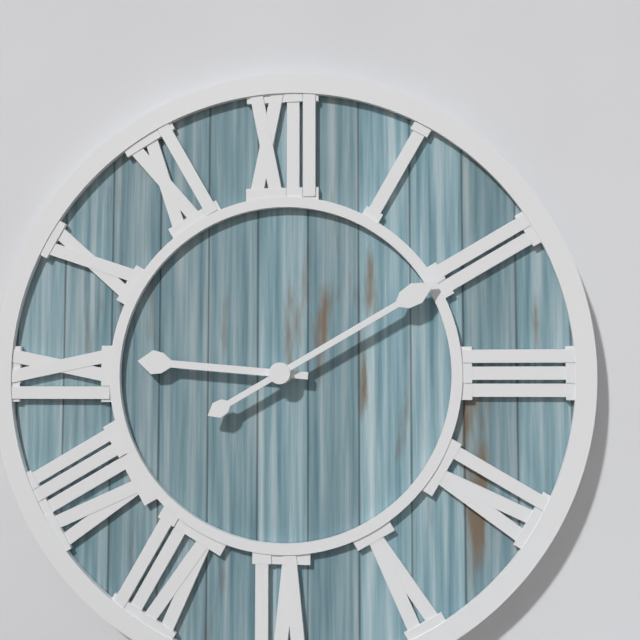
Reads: 9:10
